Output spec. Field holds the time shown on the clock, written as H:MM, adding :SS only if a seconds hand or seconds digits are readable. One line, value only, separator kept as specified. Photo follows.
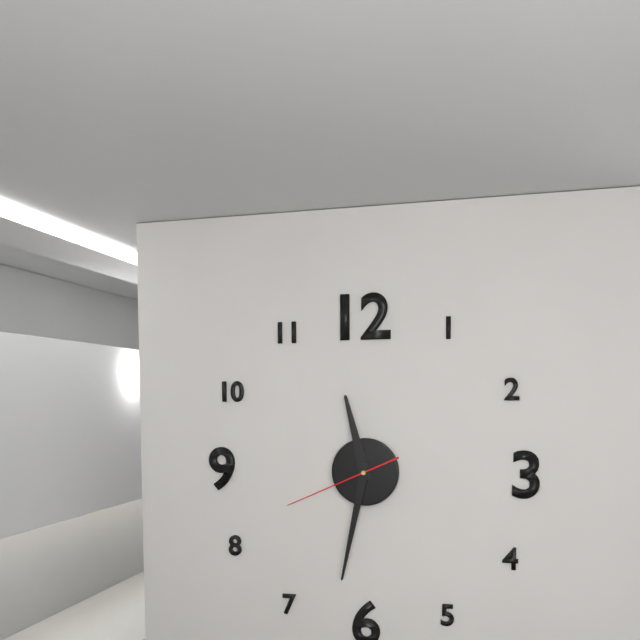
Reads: 11:32:41
